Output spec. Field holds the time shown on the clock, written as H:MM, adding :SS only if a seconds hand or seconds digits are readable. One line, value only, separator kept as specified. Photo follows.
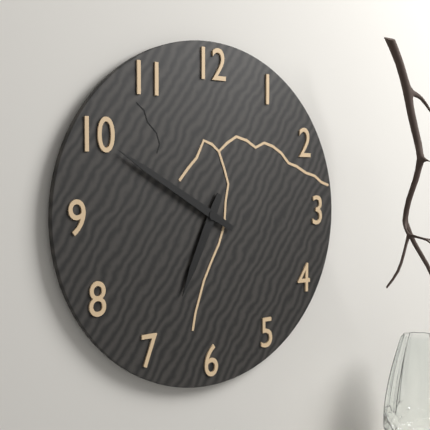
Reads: 6:50
